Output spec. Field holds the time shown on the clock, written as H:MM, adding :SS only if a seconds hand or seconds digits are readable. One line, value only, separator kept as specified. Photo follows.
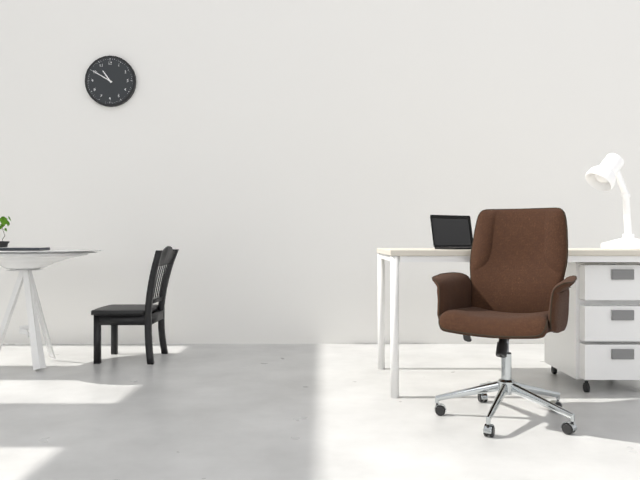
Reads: 10:50
